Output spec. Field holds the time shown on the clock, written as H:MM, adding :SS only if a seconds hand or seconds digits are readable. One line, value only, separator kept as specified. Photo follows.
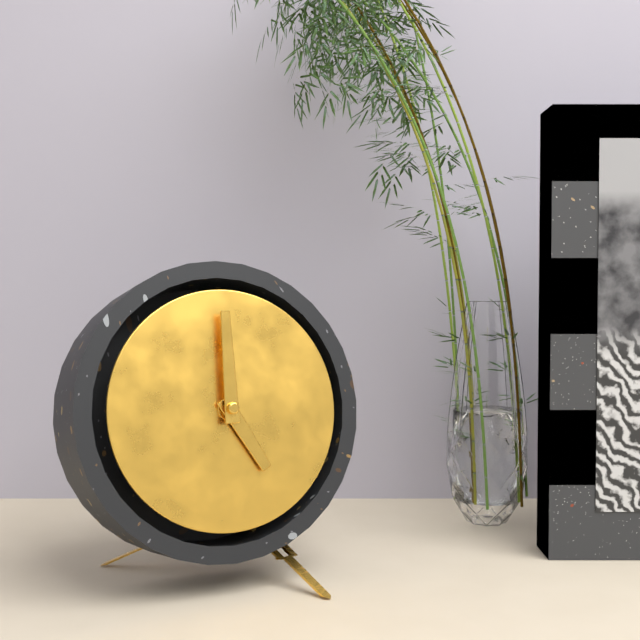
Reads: 5:00
